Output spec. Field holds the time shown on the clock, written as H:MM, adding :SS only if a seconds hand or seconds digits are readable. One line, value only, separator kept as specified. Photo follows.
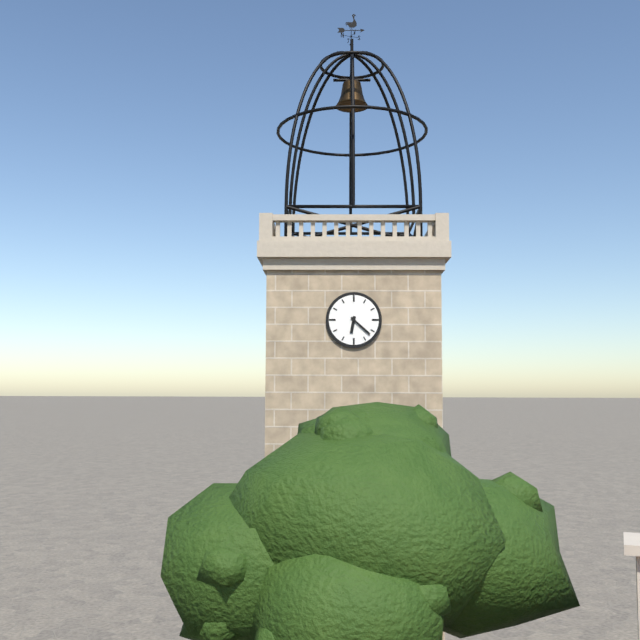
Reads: 6:22
